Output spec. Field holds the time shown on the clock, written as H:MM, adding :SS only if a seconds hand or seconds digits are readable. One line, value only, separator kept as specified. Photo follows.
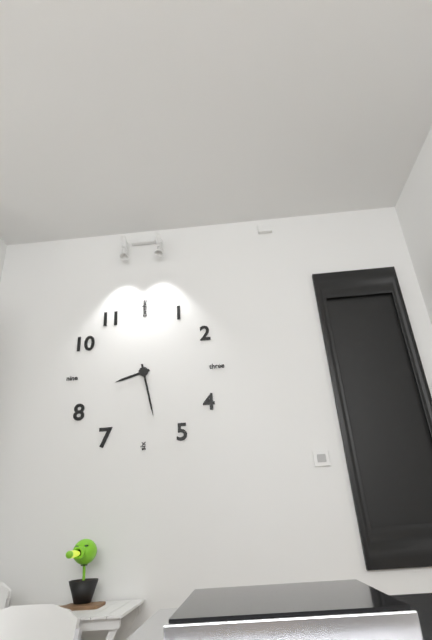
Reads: 8:28
